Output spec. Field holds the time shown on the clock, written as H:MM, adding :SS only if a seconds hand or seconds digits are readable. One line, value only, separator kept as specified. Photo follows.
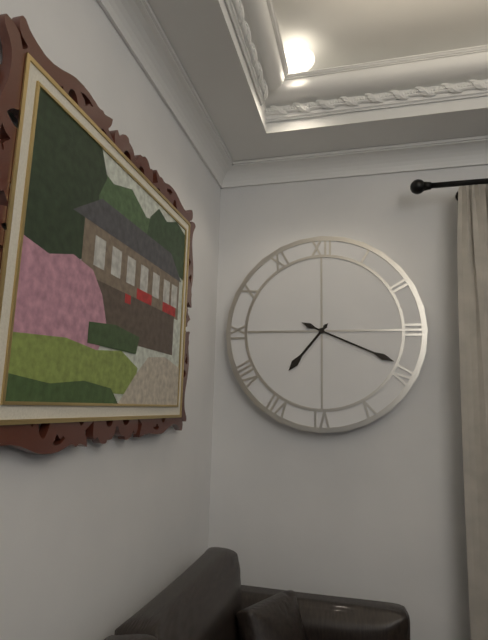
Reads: 7:19
